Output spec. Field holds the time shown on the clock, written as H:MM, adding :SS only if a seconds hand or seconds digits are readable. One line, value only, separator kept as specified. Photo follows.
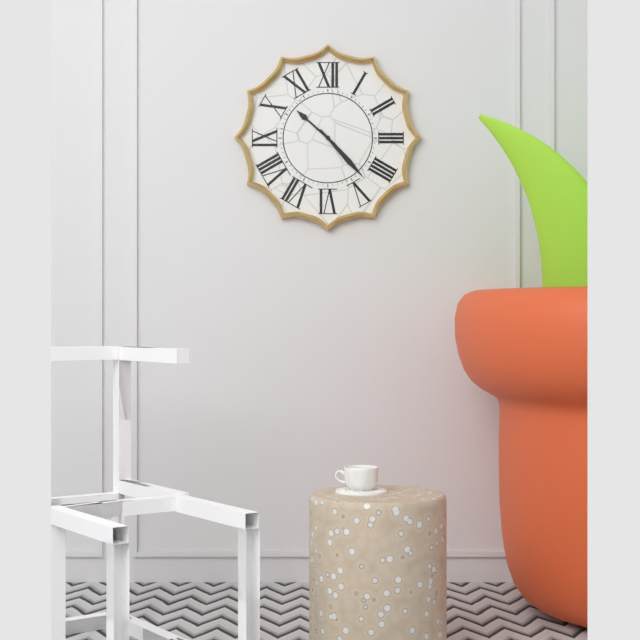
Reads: 10:23
